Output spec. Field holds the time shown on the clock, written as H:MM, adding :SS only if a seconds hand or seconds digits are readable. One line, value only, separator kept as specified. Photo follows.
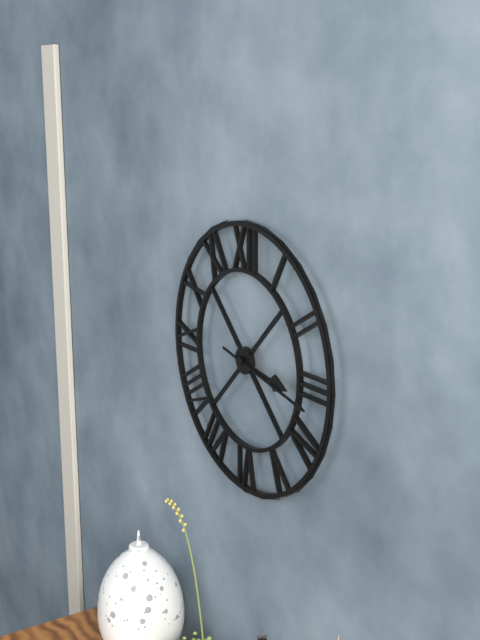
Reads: 3:17
